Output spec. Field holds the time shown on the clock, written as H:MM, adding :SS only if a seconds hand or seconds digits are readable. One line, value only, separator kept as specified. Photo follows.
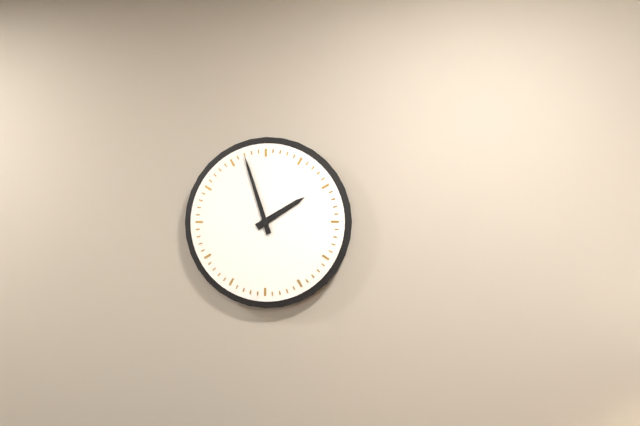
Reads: 1:57
